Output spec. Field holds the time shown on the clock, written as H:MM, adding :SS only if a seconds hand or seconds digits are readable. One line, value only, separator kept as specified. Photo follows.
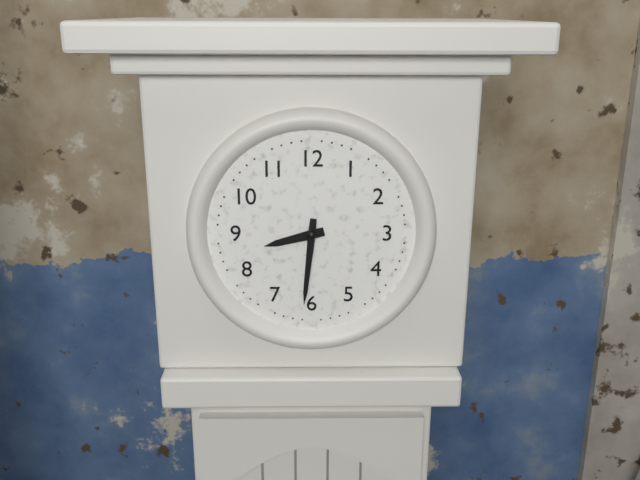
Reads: 8:31
